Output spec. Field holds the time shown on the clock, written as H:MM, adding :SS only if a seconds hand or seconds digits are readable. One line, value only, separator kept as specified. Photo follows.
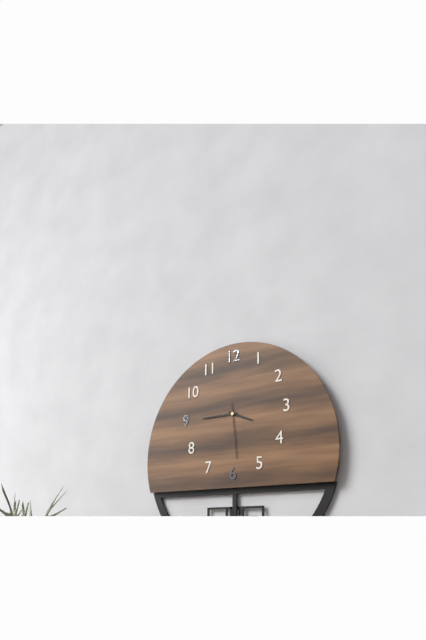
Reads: 3:45:29
